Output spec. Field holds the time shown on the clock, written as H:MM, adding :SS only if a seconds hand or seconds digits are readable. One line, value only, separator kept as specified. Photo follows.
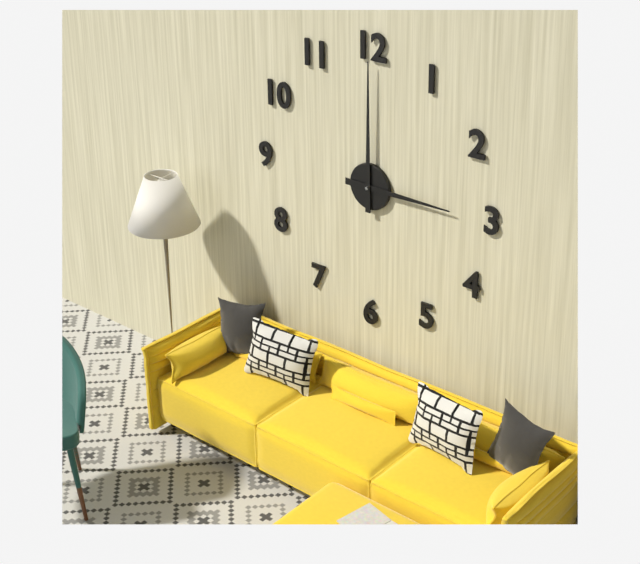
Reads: 3:00
